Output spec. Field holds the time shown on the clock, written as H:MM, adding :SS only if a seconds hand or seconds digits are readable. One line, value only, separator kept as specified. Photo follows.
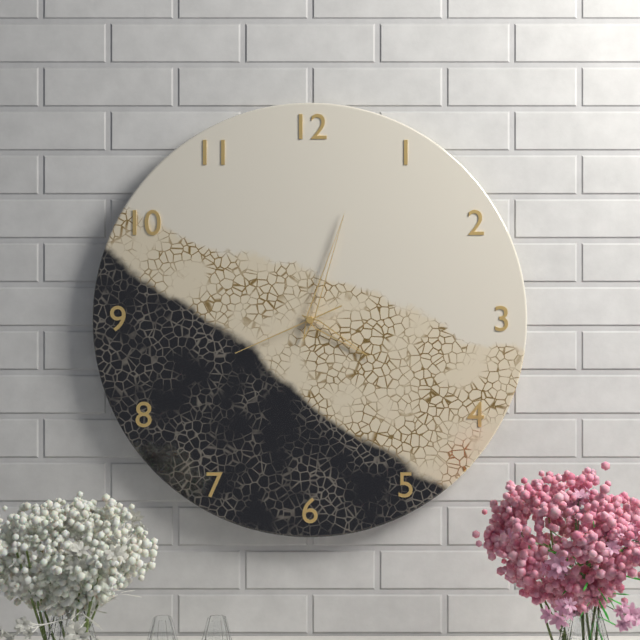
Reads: 4:03:41
